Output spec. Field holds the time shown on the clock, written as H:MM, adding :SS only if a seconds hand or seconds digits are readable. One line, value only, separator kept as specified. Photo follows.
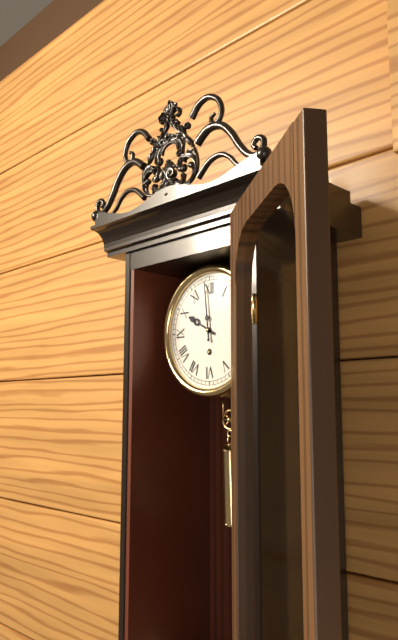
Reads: 9:59
